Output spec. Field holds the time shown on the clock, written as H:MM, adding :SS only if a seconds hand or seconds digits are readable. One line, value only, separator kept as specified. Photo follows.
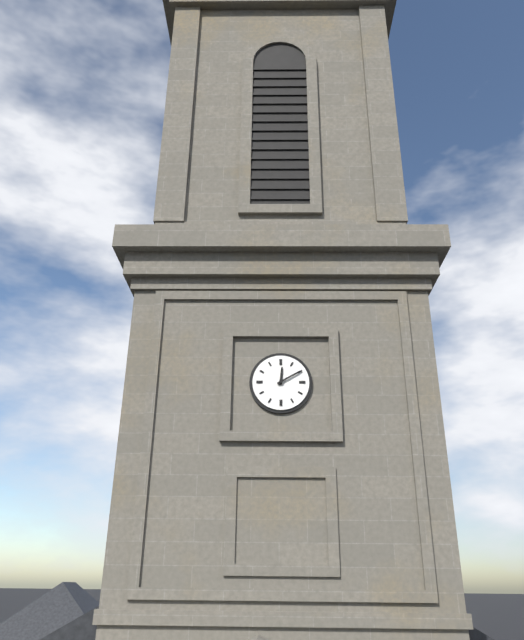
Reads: 12:10
